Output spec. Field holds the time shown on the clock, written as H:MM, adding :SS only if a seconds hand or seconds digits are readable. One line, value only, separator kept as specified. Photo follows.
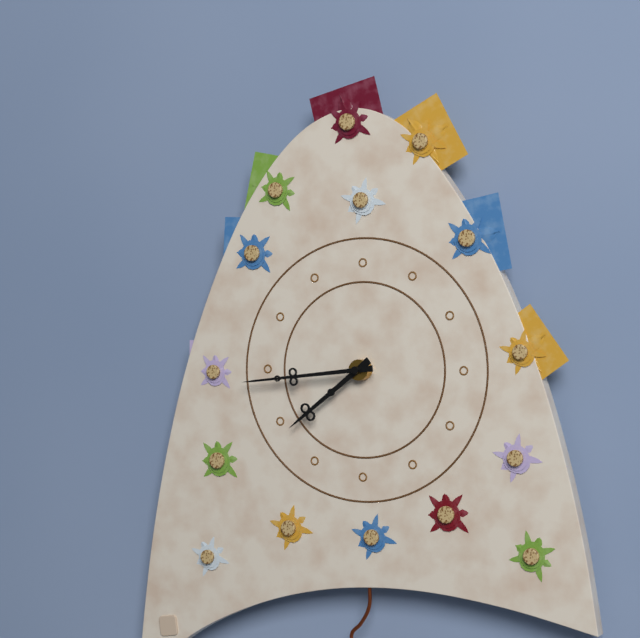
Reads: 7:44
